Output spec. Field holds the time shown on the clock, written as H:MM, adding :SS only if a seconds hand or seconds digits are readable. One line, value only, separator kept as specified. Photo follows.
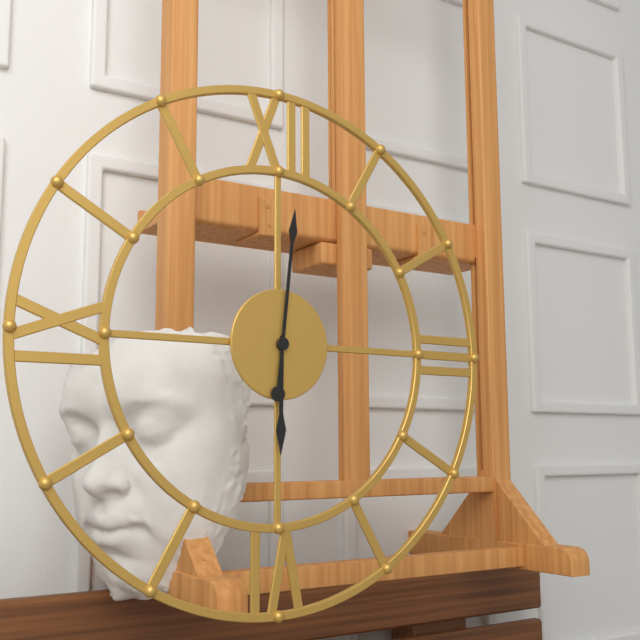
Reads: 6:01
